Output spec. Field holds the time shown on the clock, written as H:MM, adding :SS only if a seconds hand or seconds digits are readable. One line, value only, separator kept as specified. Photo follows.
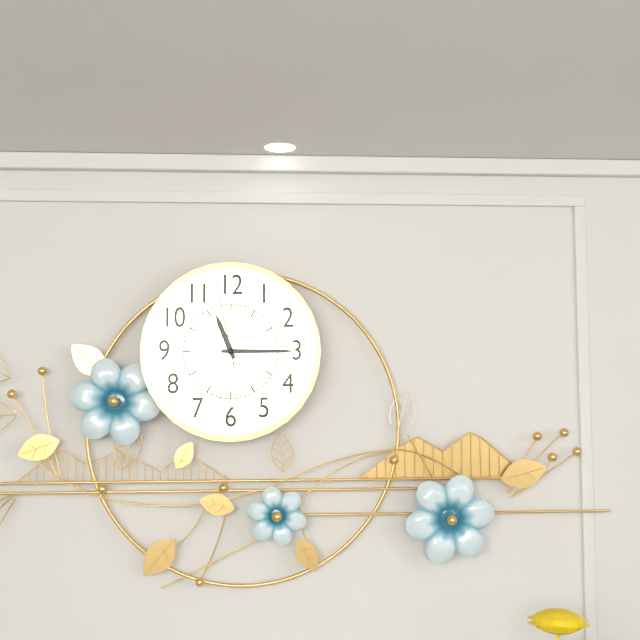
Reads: 11:15:58
